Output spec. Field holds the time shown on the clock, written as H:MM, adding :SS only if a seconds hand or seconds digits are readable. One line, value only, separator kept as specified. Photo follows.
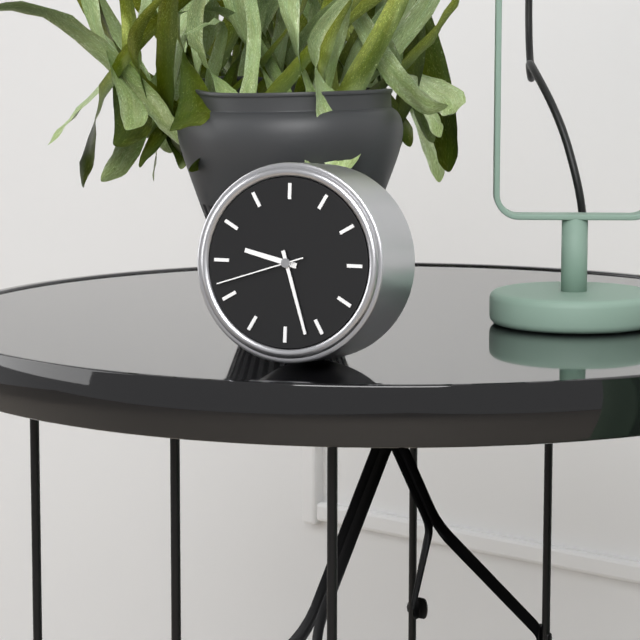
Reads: 9:27:42
